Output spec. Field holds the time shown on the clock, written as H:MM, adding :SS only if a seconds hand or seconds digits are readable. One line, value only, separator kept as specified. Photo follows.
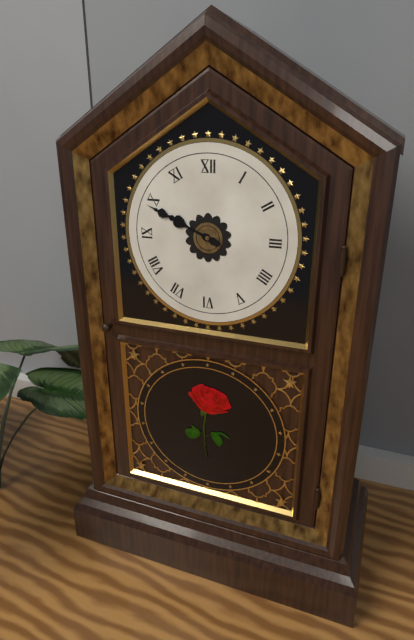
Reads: 9:49
